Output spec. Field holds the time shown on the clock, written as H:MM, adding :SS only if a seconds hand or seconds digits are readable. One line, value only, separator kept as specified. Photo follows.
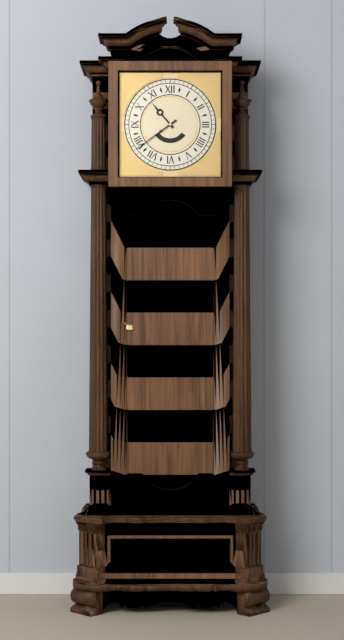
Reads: 10:39
